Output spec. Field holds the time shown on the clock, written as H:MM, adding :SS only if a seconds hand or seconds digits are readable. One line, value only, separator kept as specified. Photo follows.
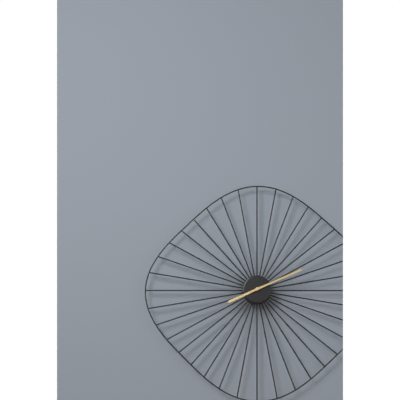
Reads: 8:11
